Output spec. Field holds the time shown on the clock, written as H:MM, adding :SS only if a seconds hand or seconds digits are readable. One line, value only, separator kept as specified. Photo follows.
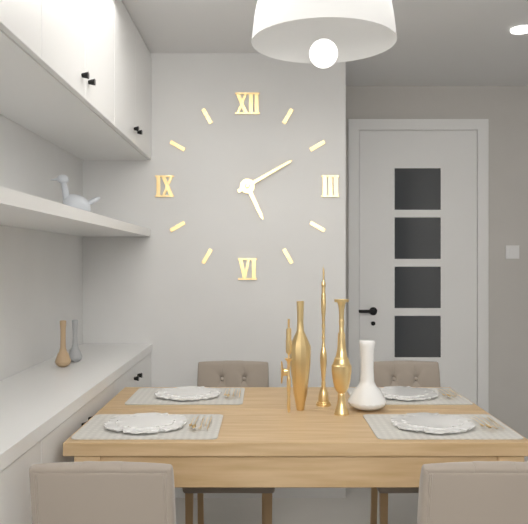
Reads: 5:10
